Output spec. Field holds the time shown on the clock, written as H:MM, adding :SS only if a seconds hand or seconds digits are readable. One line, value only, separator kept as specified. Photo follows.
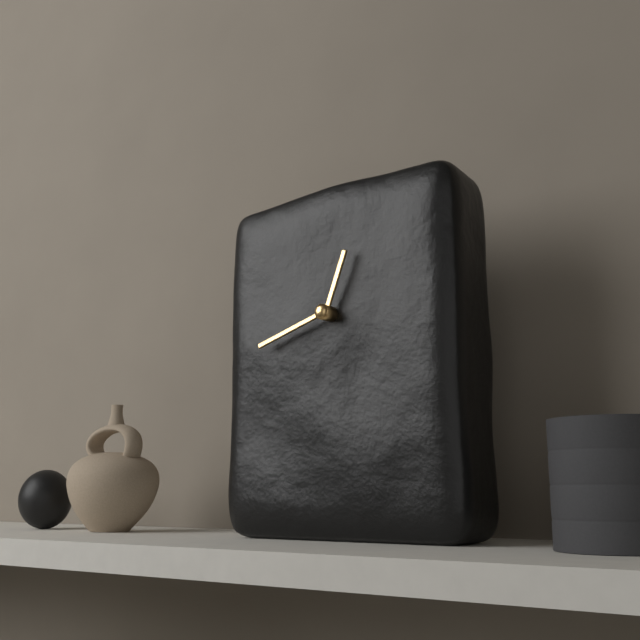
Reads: 12:42
